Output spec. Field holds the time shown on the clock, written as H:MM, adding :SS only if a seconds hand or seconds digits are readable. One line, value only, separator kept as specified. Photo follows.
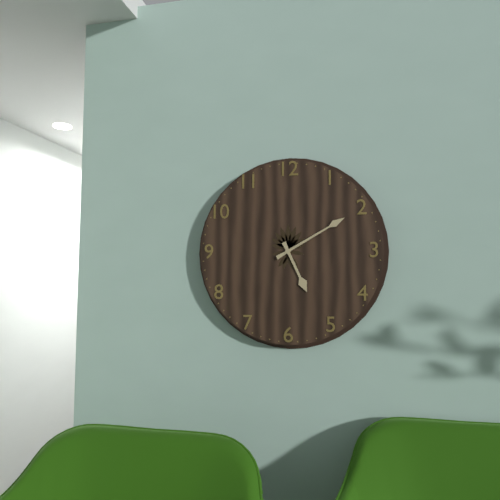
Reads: 5:10
